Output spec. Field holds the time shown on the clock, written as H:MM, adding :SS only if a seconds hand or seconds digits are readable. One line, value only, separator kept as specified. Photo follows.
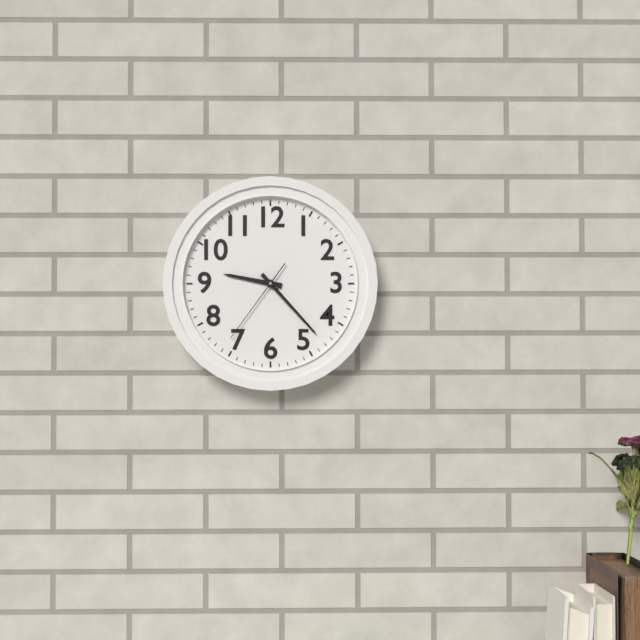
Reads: 9:23:36
